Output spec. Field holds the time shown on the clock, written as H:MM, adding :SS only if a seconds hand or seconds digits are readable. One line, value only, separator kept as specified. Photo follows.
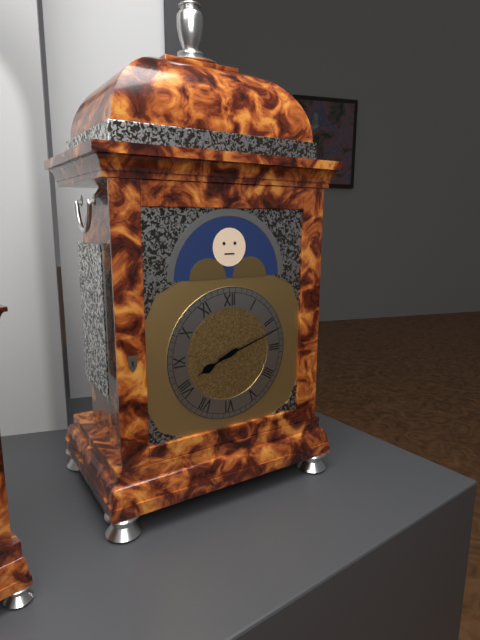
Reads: 8:12
